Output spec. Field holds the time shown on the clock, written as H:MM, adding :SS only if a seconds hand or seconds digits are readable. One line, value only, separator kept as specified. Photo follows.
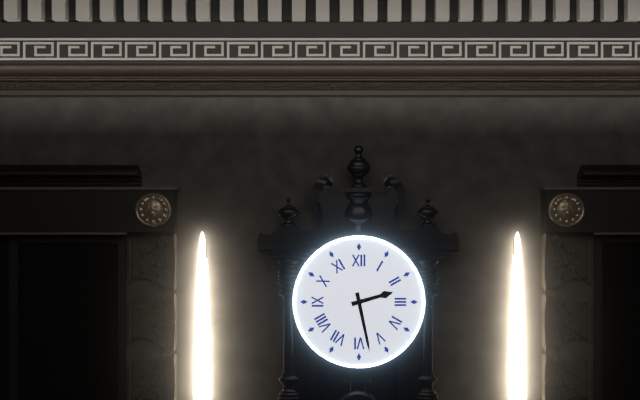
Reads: 2:28
